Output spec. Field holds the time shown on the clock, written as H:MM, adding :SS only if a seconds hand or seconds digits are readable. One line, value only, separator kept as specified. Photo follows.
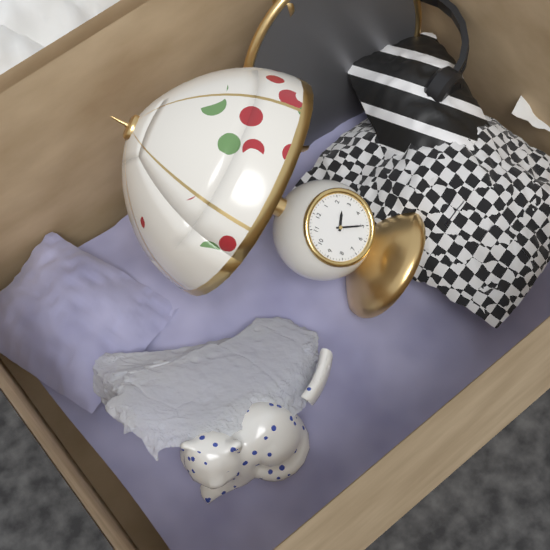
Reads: 2:25
